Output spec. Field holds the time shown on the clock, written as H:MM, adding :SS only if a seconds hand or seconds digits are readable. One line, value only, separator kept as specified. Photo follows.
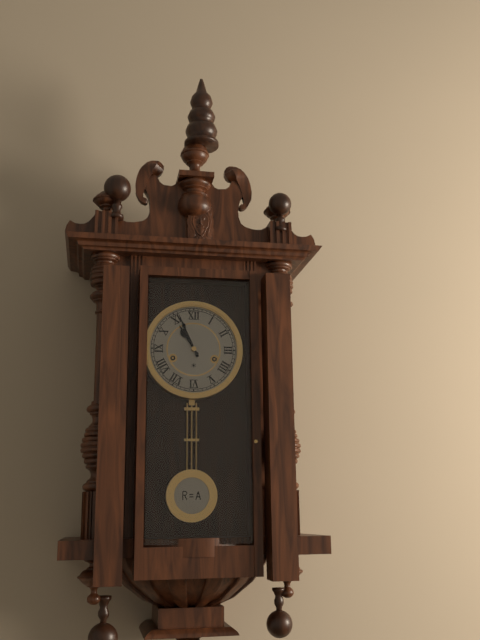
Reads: 10:56
